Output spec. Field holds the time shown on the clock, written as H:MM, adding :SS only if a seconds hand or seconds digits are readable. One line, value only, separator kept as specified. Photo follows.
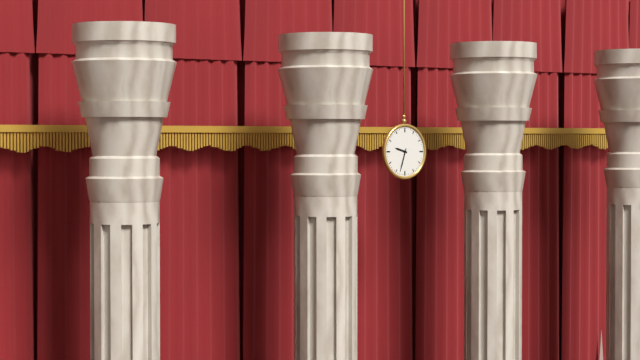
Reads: 9:33
